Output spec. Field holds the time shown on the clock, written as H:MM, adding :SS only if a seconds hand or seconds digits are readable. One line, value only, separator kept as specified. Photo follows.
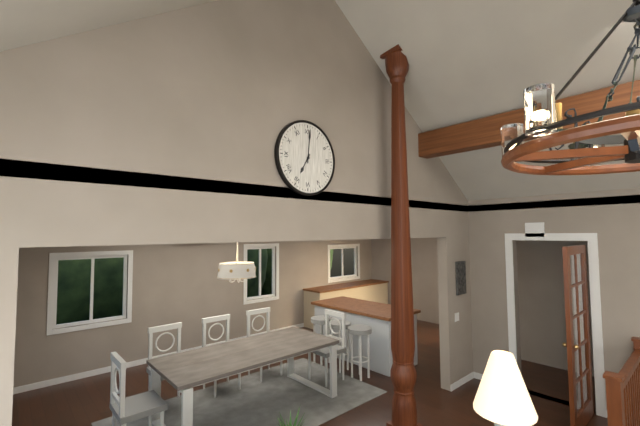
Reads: 7:01
